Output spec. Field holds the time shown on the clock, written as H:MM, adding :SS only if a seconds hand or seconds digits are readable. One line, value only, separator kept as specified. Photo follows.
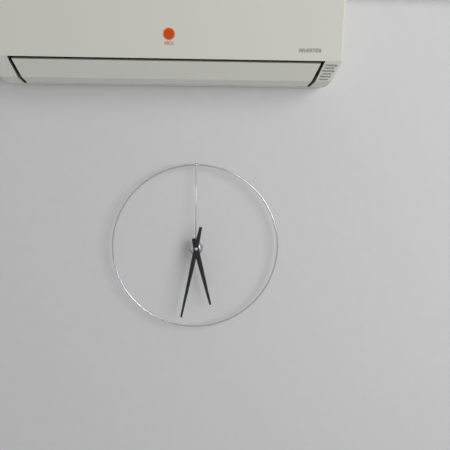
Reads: 5:32
